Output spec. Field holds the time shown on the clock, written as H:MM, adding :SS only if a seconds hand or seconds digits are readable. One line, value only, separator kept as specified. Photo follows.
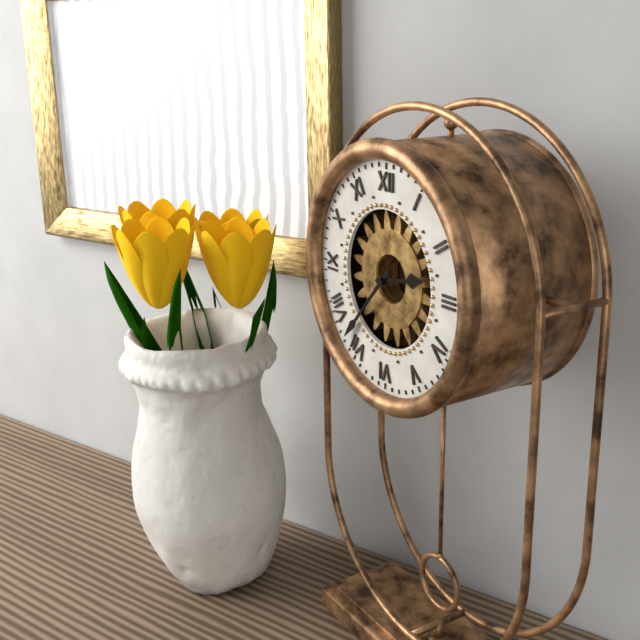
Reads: 2:37
